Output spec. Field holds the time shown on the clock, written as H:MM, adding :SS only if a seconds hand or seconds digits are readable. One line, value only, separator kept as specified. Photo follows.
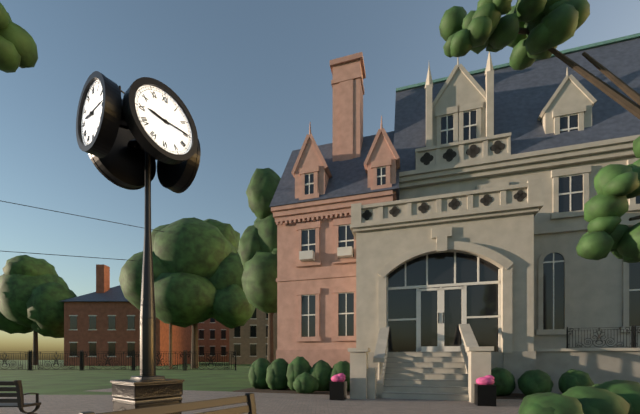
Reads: 9:15
